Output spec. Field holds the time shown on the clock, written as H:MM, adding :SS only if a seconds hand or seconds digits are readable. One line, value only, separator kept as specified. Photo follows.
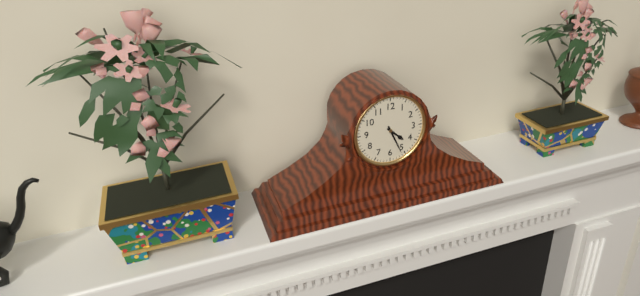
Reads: 4:26
